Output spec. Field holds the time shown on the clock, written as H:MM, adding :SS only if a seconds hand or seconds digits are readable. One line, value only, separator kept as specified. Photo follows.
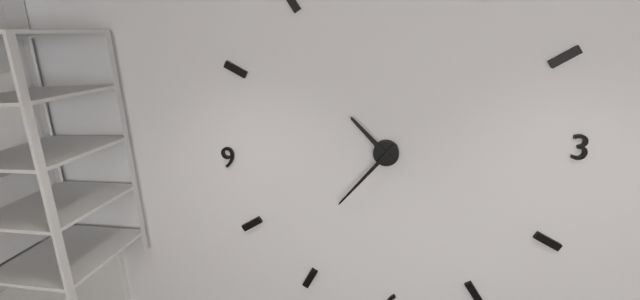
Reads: 10:37
